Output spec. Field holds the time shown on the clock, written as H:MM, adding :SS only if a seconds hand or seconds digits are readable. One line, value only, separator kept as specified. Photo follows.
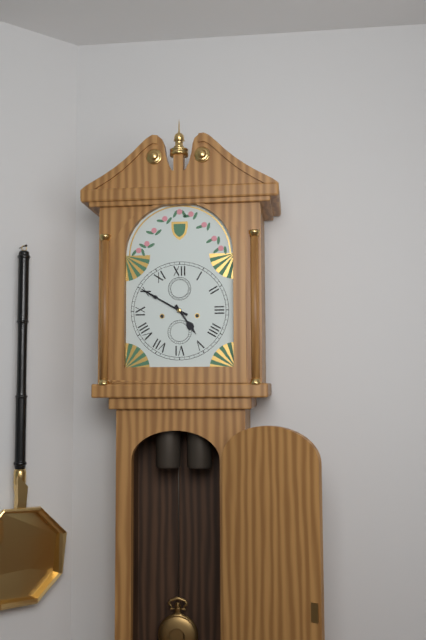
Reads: 4:50
